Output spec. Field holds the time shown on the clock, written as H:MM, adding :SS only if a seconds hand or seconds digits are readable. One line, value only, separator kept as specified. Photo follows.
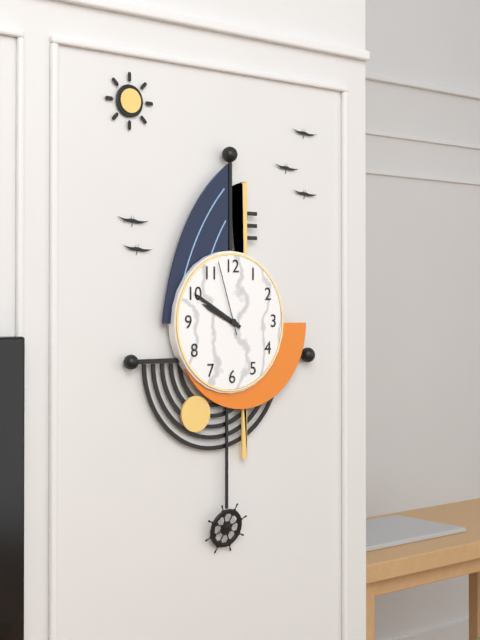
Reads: 9:50:57
